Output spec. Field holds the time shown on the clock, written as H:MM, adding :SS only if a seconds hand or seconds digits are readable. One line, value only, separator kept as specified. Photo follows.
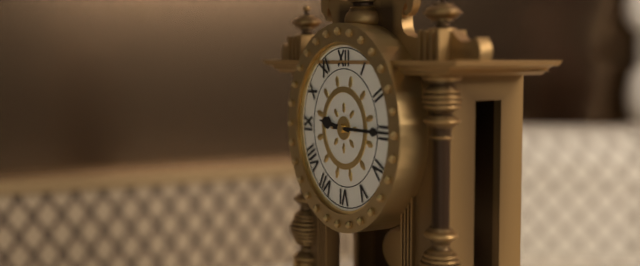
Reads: 9:15
